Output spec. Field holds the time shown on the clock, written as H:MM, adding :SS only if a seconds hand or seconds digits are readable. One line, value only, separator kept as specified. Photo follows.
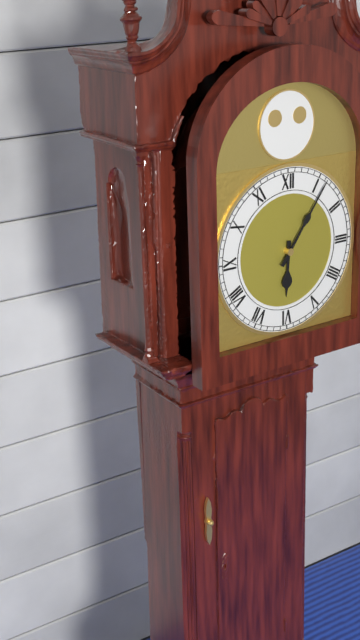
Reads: 6:06
